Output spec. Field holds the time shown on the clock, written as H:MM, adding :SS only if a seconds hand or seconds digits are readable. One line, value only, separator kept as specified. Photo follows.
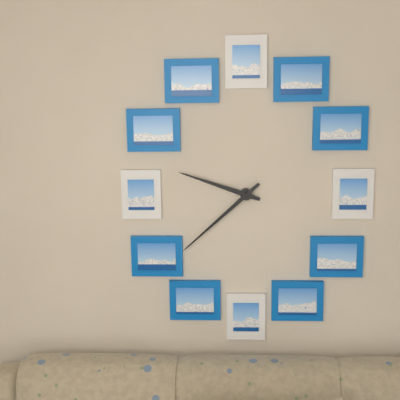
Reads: 9:38
